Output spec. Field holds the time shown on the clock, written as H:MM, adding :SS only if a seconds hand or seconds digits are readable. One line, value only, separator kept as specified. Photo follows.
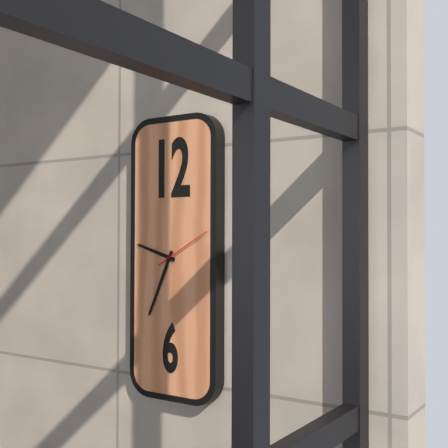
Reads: 9:34:10
